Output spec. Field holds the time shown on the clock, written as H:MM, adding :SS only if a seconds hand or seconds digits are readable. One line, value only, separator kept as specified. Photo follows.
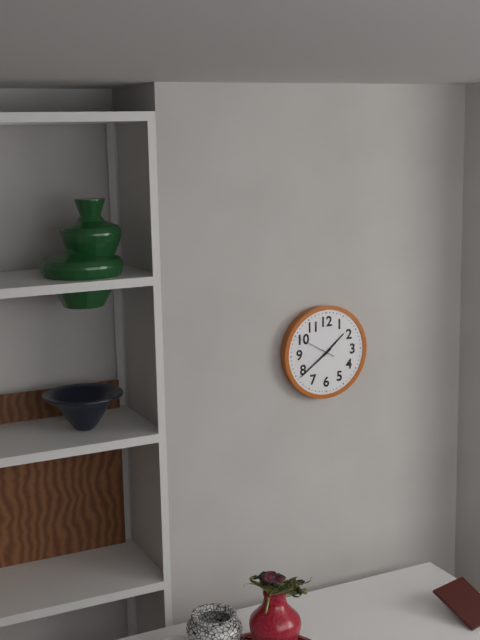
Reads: 1:39
